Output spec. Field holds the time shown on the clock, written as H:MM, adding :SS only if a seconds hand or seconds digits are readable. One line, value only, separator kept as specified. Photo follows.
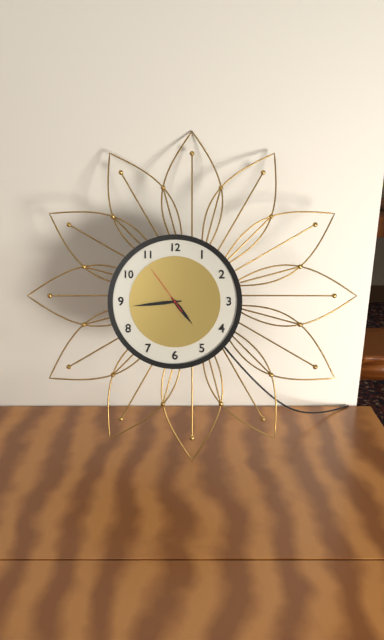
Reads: 4:44:54
